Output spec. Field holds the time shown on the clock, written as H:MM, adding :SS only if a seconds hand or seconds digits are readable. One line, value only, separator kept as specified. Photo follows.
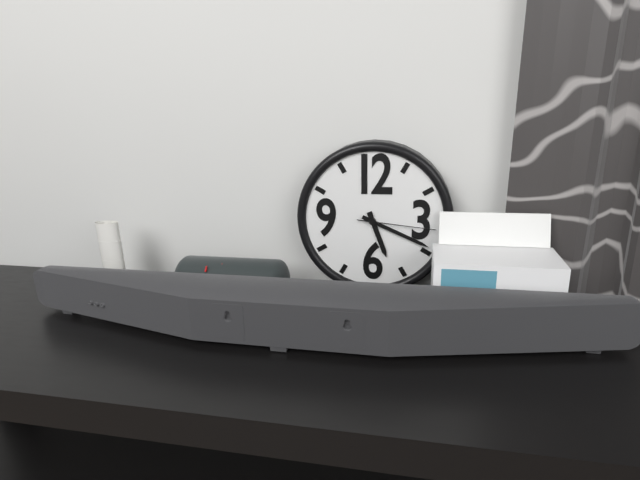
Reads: 5:19:16
